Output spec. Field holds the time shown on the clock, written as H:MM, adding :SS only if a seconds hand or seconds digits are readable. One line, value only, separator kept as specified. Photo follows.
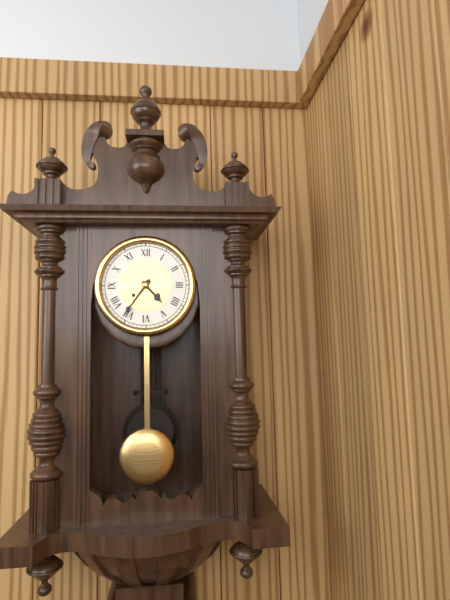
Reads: 4:36
